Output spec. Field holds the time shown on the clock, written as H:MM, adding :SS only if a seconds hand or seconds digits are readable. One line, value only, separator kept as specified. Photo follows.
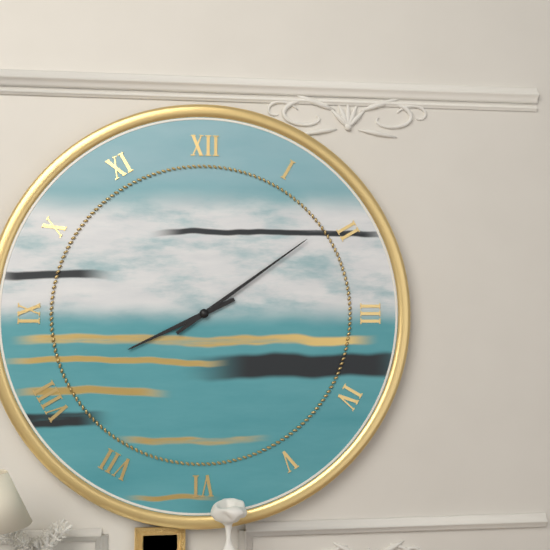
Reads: 8:09
